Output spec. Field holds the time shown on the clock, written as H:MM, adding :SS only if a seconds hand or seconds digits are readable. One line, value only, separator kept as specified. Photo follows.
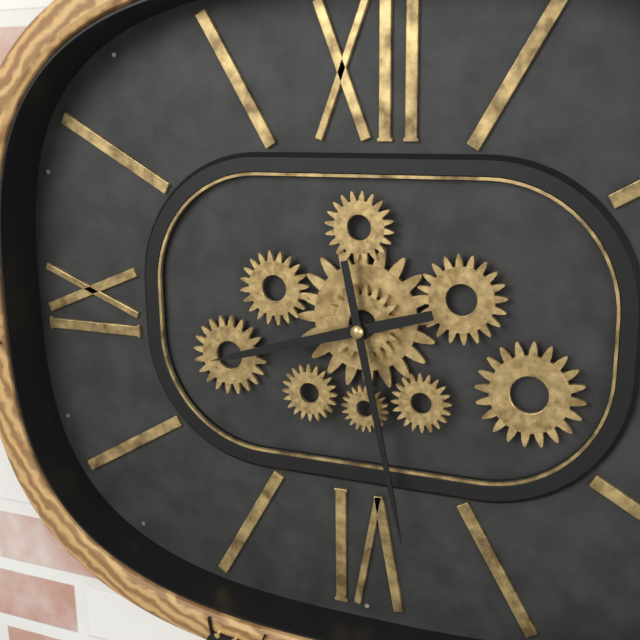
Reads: 8:28
